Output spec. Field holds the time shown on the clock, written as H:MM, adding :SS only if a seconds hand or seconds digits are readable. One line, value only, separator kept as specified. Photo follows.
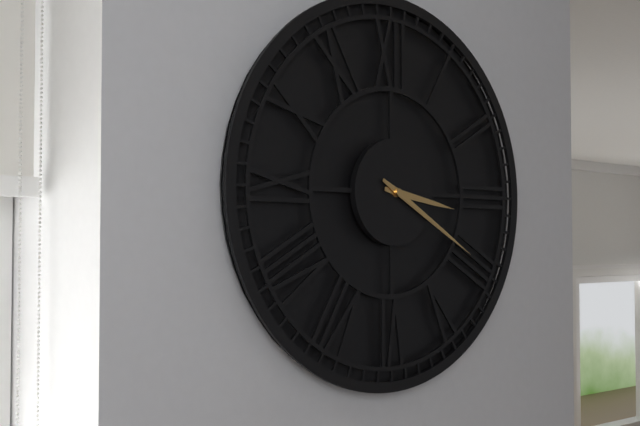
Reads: 3:20
